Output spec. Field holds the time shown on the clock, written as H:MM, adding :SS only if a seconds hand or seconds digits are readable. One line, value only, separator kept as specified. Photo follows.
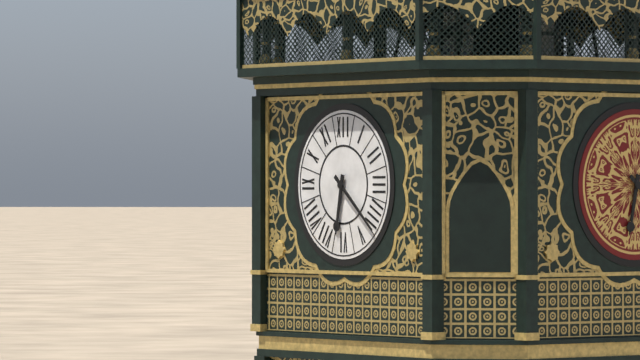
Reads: 6:22
